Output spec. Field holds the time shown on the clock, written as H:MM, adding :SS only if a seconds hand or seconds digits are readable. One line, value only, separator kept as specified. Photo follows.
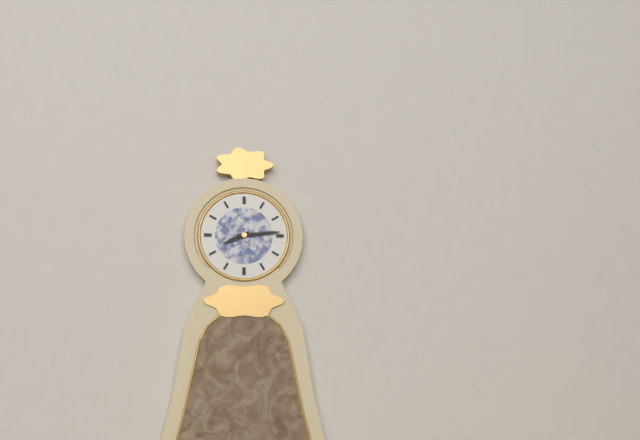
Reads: 8:14
